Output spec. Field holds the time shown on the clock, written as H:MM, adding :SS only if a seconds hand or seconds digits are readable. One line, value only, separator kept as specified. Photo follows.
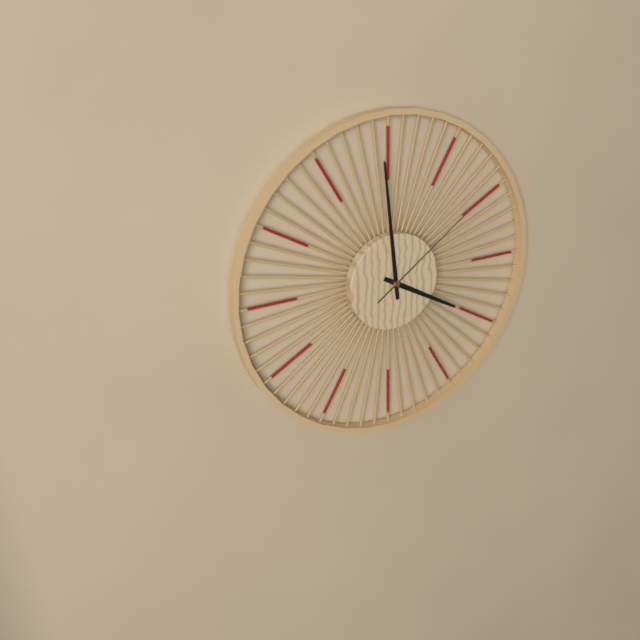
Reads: 3:59:09
